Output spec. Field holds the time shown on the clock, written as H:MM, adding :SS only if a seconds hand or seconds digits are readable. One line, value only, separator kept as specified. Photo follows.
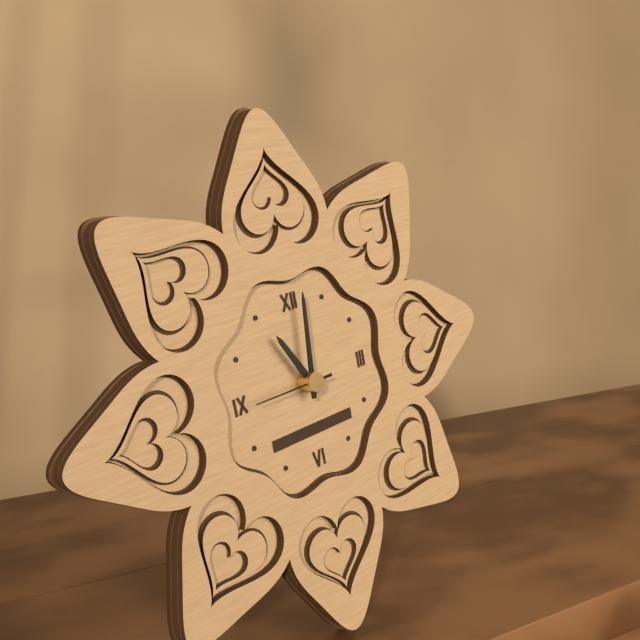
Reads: 11:01:45
